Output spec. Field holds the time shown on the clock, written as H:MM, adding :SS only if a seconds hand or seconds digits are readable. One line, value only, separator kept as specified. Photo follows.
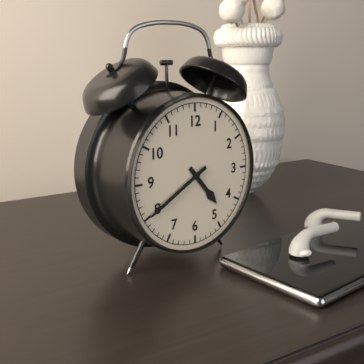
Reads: 4:40
